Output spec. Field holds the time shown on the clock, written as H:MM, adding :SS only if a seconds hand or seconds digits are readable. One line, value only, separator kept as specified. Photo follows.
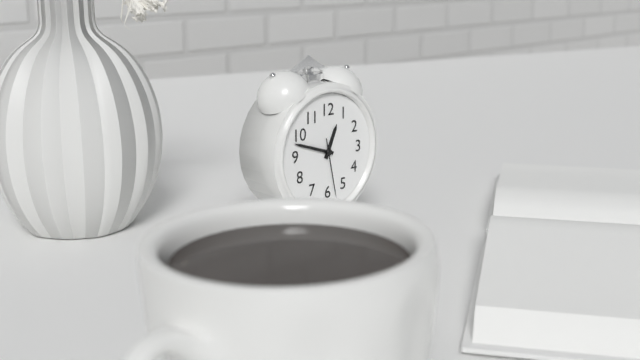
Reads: 12:48:28
